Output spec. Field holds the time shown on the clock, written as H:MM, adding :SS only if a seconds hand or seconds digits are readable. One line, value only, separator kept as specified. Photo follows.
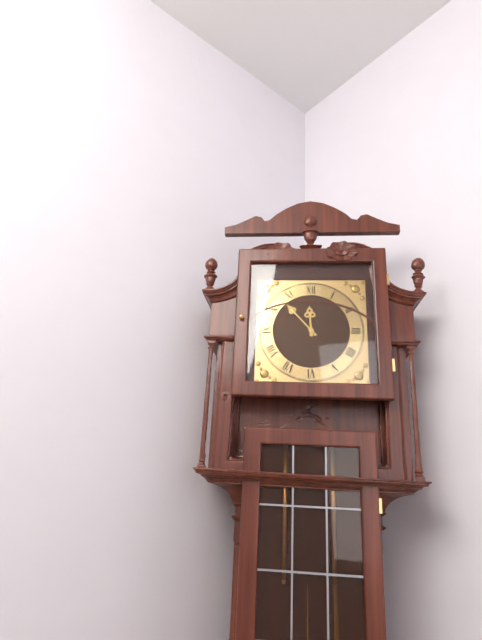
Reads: 11:53
